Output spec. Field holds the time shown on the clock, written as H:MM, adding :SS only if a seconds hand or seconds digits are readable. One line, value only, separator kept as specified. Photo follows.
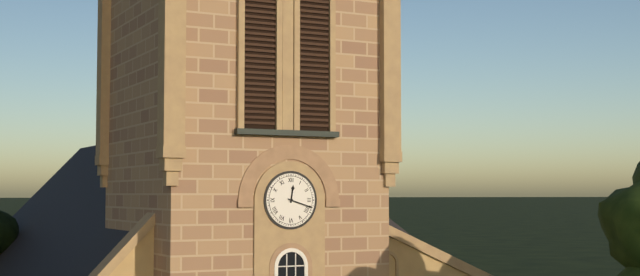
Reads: 12:18
